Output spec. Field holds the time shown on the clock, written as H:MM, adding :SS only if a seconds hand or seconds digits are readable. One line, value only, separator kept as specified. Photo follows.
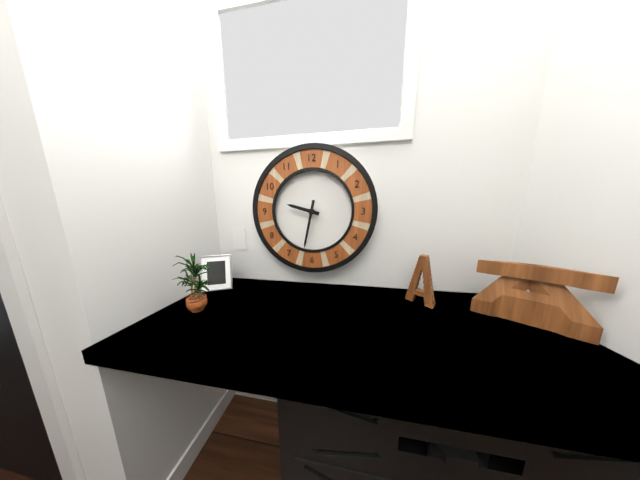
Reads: 9:32
